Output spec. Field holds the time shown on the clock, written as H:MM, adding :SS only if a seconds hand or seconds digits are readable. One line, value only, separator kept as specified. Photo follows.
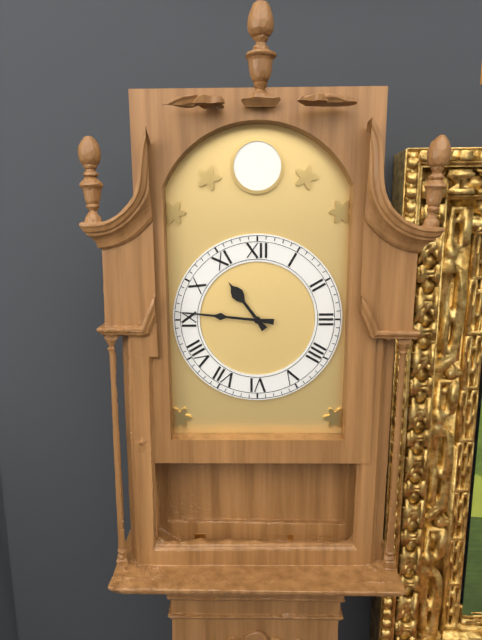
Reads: 10:46
